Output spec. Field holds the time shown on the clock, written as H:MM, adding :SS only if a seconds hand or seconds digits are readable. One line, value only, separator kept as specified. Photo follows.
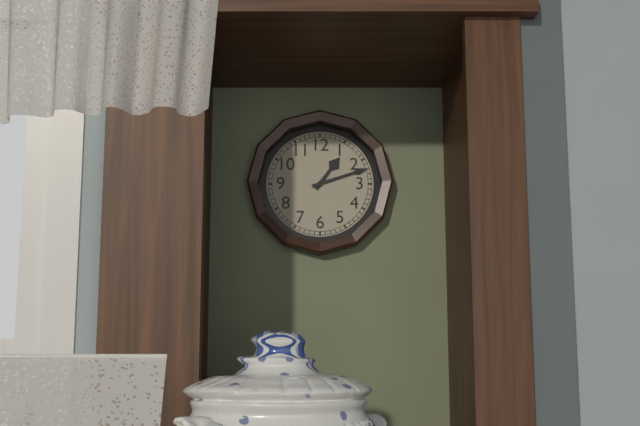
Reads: 1:12
